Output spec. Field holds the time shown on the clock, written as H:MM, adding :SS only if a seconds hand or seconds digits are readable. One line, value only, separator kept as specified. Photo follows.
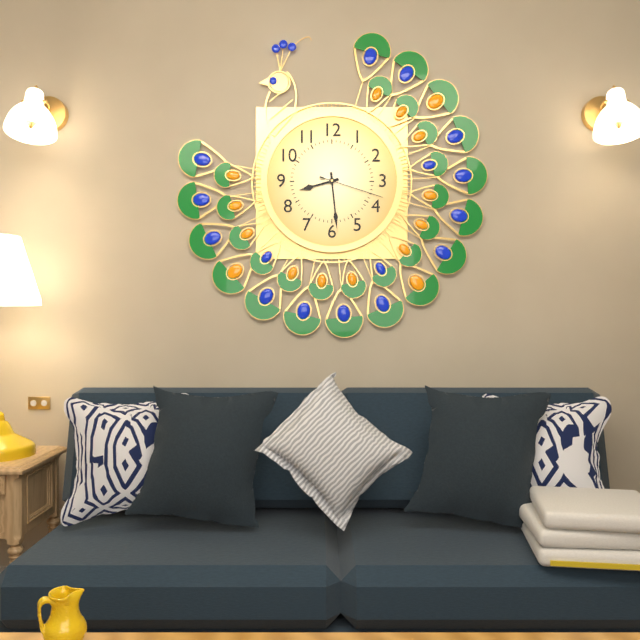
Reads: 8:29:18
